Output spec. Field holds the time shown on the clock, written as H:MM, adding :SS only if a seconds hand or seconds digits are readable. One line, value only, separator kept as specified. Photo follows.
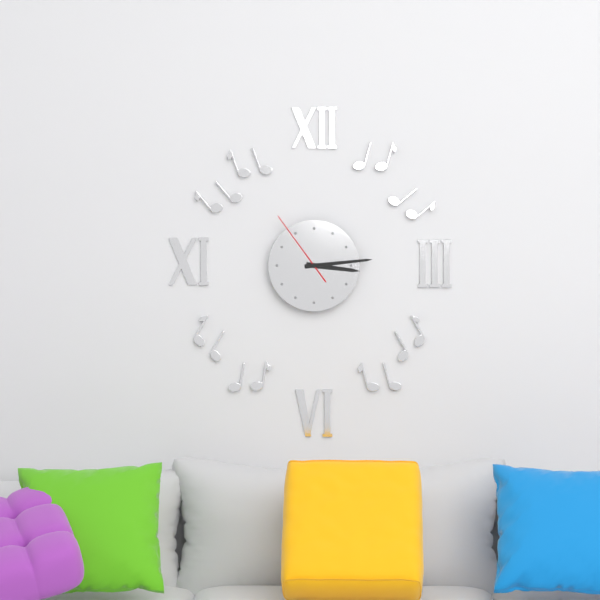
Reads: 3:14:54
